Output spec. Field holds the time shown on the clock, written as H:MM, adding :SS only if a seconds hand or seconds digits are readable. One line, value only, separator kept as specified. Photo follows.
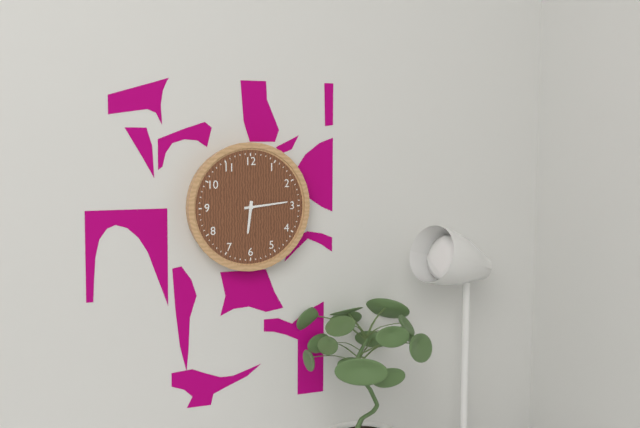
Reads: 6:14
